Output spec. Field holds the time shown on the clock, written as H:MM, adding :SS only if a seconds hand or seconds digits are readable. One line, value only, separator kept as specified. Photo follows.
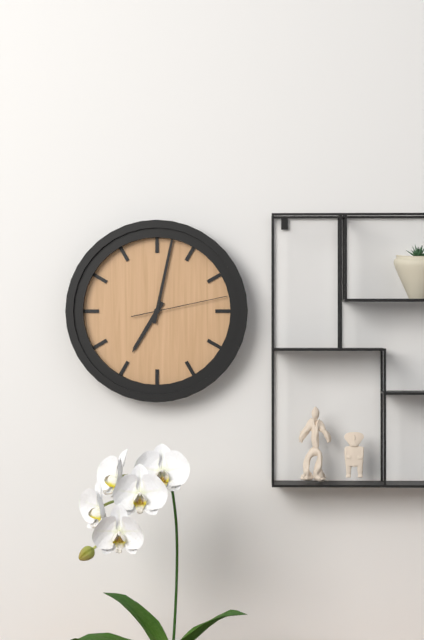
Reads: 7:02:13
